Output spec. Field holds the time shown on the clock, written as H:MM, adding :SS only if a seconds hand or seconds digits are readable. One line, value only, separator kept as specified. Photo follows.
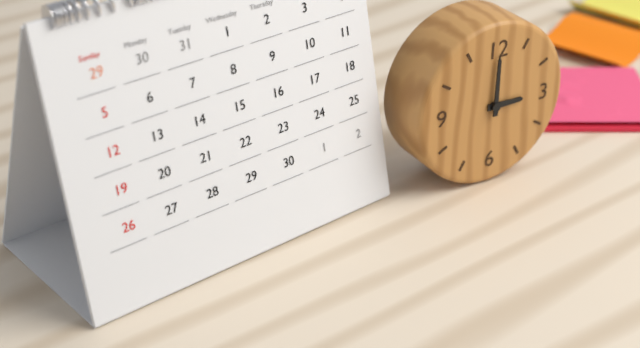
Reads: 3:00
